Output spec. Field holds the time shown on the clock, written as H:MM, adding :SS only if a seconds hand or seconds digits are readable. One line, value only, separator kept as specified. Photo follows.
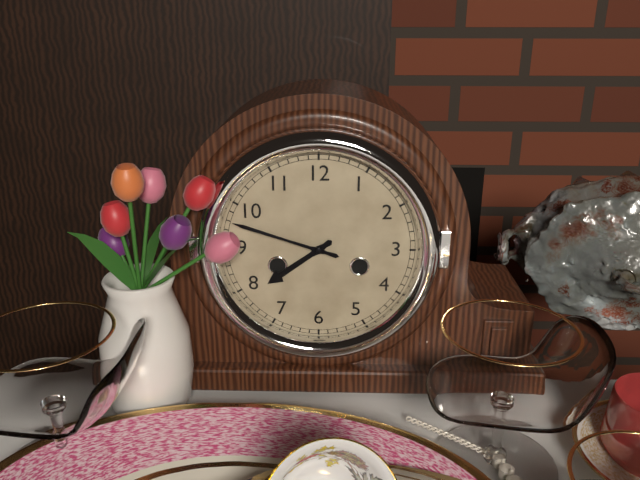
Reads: 7:48
